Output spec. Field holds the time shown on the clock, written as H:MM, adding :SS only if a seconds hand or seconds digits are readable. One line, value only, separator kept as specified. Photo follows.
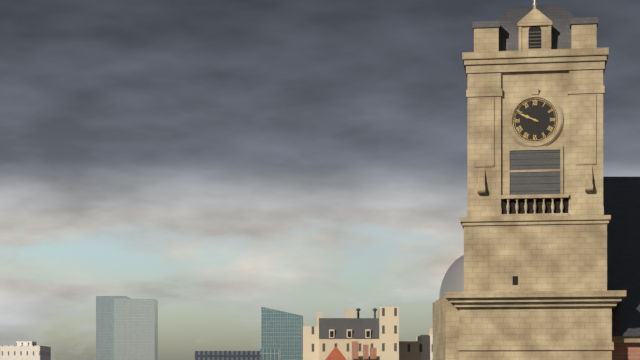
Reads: 9:49
